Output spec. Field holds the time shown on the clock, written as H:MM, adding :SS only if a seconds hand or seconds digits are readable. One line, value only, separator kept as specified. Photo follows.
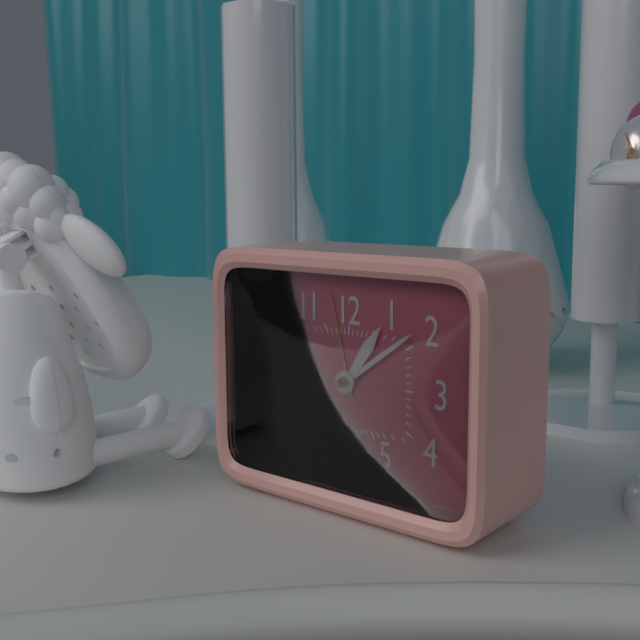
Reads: 1:09
